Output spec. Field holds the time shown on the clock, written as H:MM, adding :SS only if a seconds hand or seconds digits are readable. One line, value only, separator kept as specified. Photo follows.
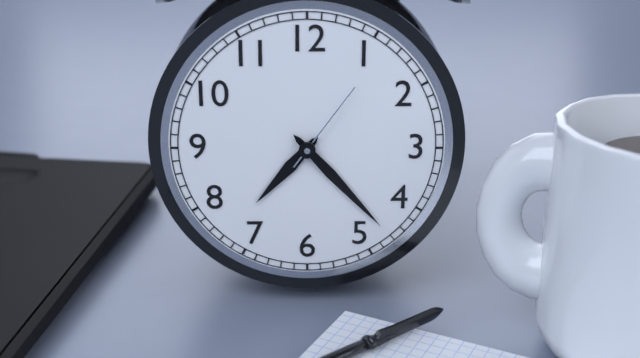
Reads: 7:23:06
